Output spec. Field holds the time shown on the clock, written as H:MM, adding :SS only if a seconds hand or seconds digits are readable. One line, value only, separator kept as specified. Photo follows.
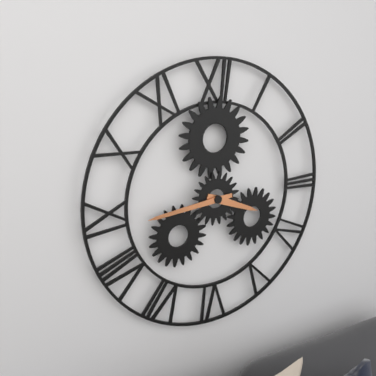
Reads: 3:44
